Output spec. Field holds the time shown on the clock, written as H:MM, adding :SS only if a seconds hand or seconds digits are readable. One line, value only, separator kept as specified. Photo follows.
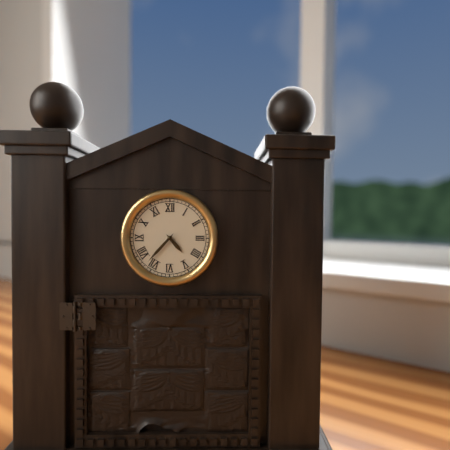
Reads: 4:37
